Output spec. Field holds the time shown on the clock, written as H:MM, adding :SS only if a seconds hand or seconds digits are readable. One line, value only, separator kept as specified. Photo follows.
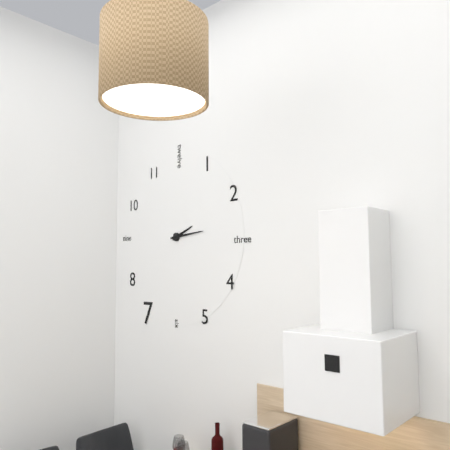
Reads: 2:14
